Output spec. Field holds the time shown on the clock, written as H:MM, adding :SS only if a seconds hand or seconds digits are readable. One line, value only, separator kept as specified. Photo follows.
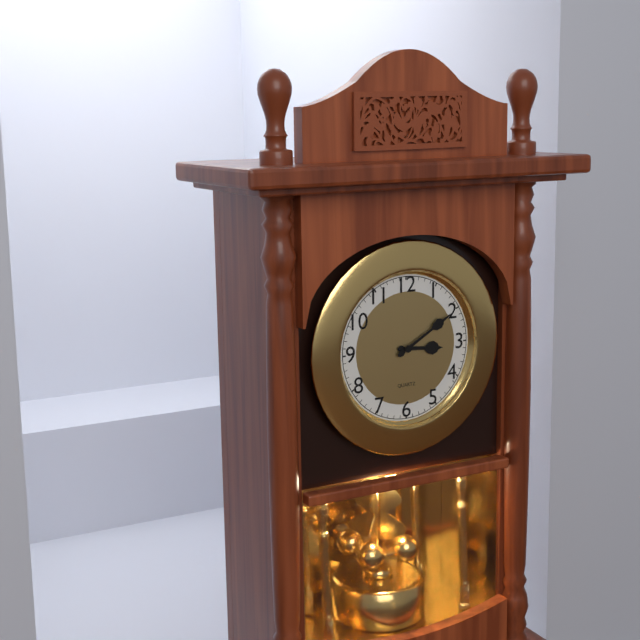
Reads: 3:10
